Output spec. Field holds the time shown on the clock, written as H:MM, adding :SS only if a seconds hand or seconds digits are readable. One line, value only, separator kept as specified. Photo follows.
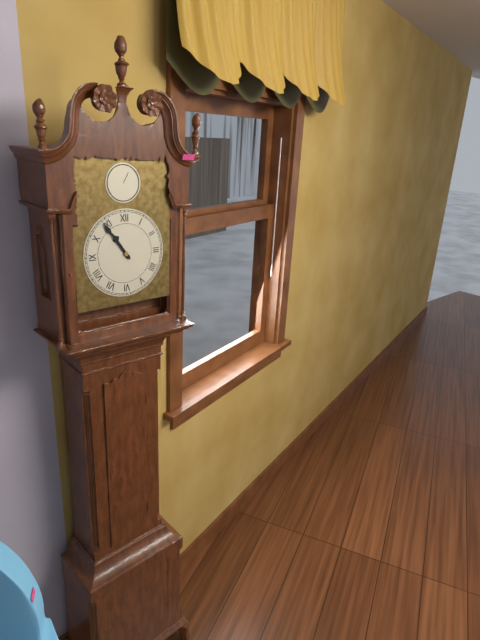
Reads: 10:54
